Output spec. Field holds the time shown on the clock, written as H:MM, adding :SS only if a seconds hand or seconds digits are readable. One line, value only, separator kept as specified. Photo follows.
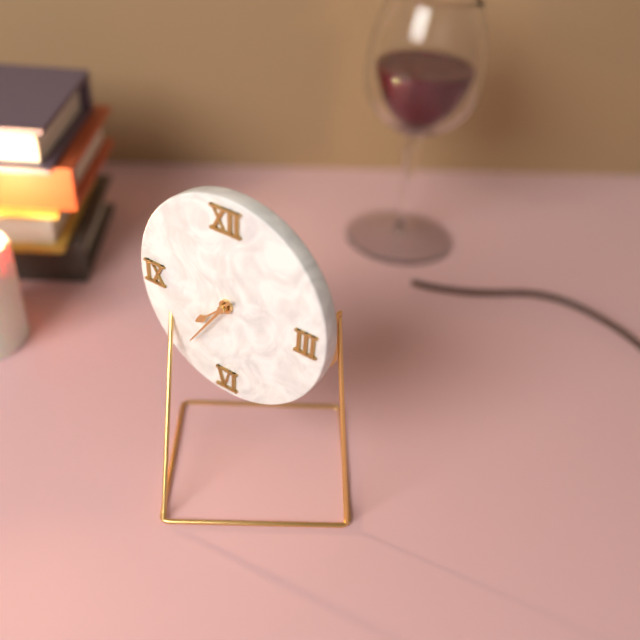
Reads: 7:36
